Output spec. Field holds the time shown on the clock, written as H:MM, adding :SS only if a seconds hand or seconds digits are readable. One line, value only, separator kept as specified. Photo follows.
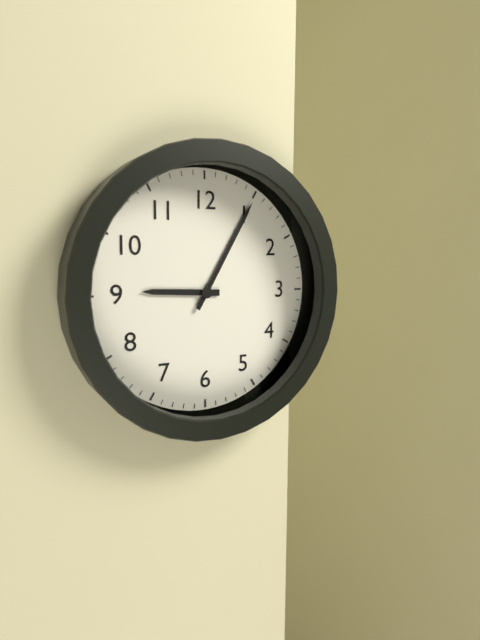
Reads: 9:05
